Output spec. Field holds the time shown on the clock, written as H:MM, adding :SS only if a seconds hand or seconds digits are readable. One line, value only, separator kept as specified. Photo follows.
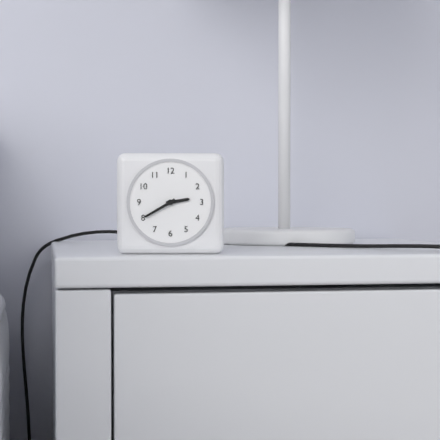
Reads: 2:40
